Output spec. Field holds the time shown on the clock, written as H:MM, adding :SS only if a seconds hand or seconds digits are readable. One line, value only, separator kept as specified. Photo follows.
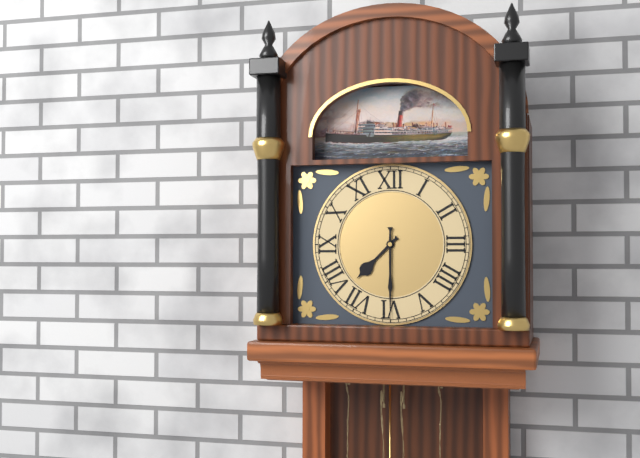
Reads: 7:30
